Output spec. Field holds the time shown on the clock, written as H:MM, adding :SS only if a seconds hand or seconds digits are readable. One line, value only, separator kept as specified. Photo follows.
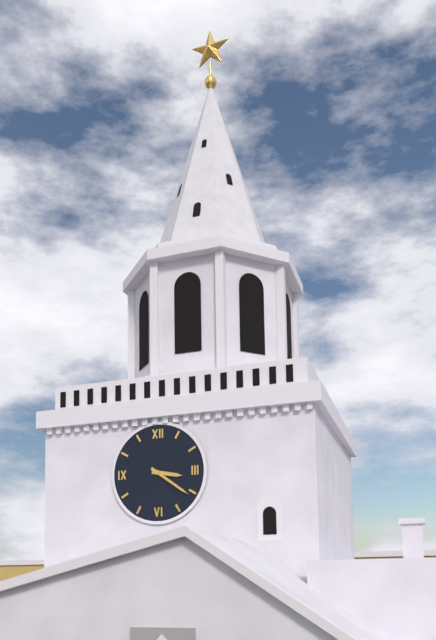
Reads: 3:21
